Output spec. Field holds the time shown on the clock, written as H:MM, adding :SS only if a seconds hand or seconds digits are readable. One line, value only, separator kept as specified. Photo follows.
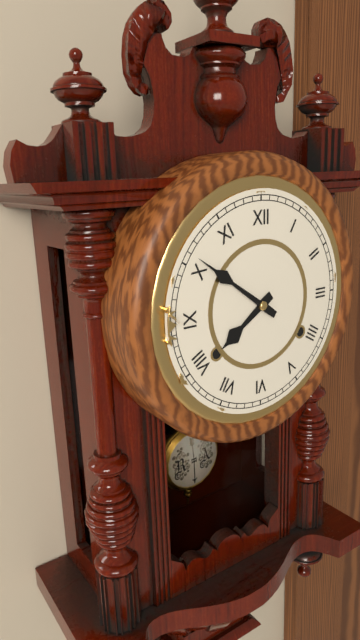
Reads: 7:51
